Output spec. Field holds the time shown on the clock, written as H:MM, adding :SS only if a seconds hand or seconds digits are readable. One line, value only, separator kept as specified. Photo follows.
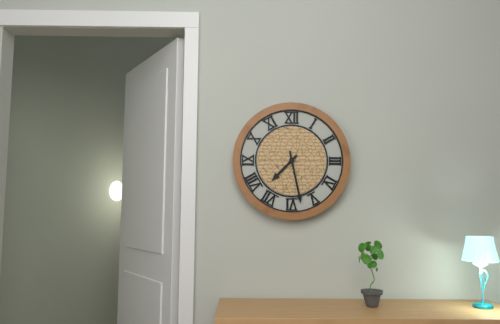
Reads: 7:28
